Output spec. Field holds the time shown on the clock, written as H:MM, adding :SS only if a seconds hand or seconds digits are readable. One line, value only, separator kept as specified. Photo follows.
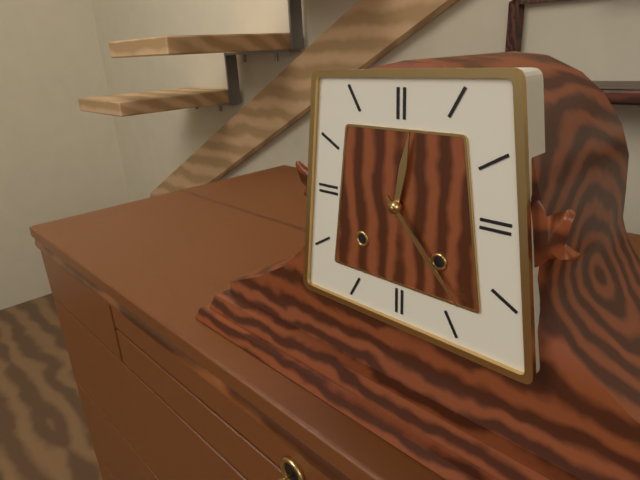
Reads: 12:23
